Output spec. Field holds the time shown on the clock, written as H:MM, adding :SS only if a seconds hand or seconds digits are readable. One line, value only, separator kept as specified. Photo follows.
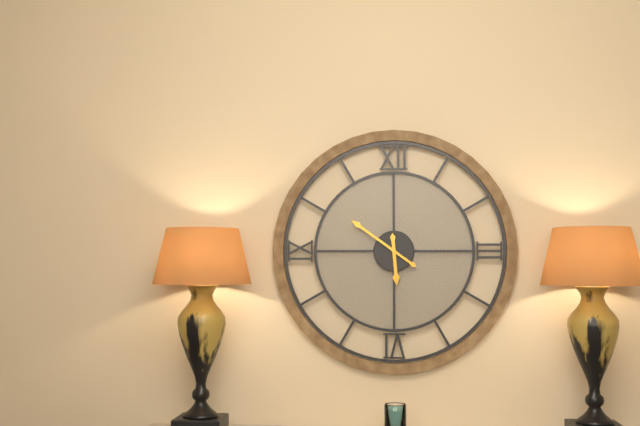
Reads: 5:51
